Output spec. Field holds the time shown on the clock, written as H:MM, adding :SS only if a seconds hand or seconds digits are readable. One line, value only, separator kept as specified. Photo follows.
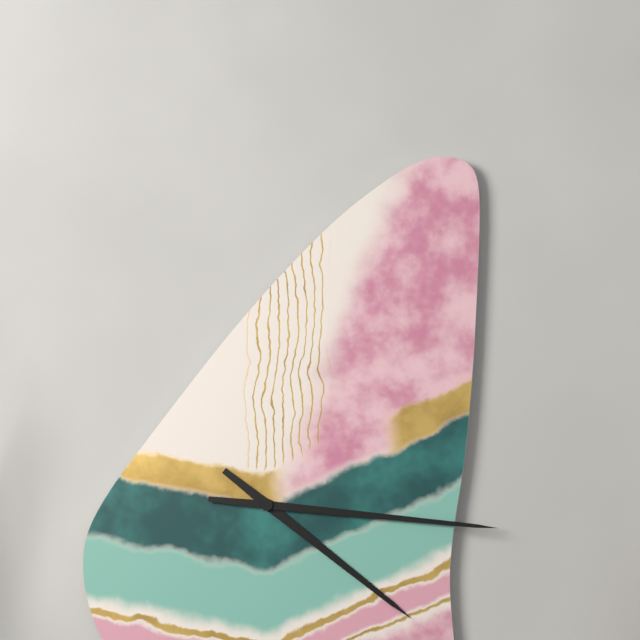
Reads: 4:16
